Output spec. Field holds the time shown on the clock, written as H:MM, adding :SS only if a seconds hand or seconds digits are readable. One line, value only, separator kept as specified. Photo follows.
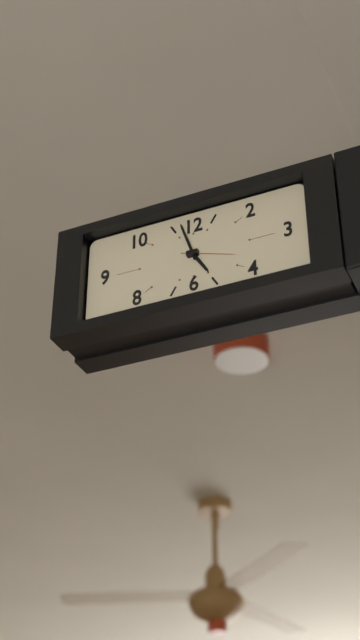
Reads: 4:57:18
